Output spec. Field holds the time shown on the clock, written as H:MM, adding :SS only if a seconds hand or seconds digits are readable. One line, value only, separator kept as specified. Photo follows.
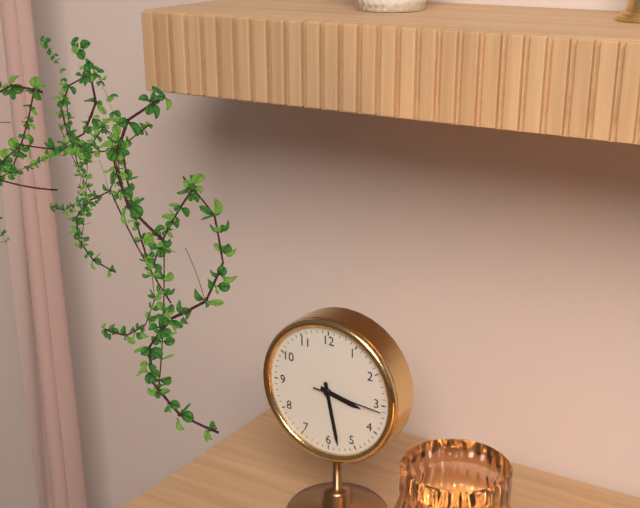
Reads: 3:28:16
